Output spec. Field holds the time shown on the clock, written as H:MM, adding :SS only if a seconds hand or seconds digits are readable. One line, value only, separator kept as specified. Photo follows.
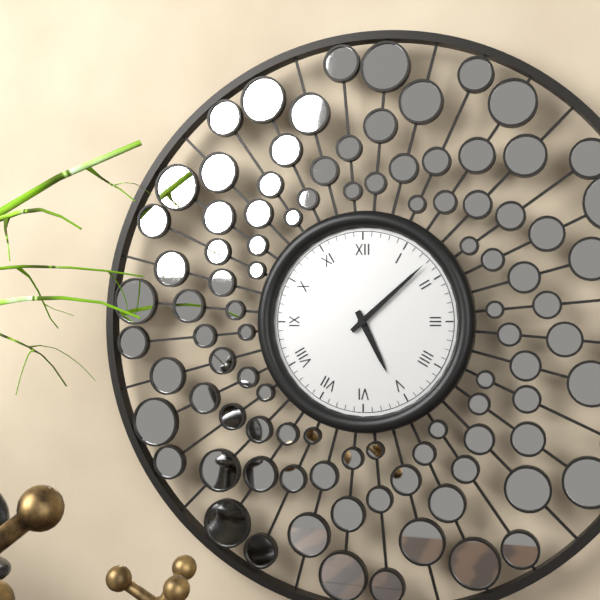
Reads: 5:08
